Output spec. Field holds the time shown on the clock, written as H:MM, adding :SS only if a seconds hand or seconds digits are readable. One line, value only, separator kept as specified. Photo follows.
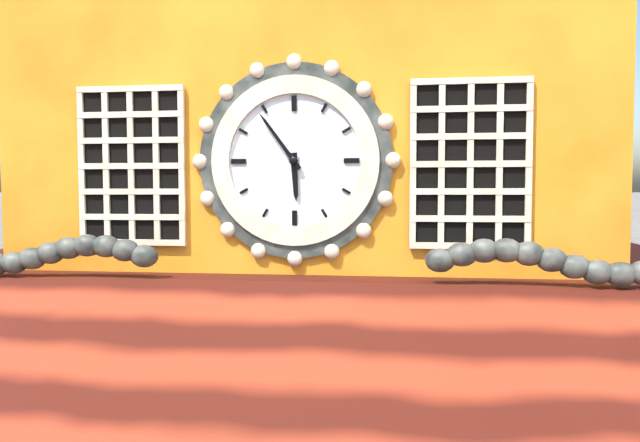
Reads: 5:54
